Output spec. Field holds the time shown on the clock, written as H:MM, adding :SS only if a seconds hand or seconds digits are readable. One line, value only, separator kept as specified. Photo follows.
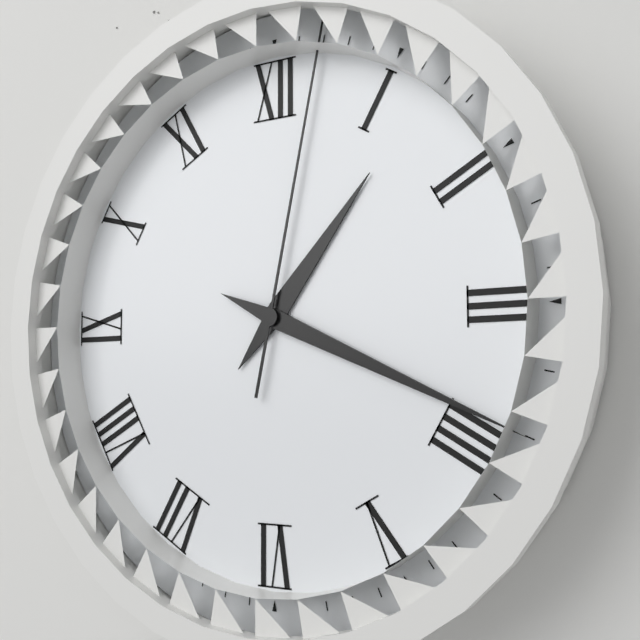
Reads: 1:19:02
